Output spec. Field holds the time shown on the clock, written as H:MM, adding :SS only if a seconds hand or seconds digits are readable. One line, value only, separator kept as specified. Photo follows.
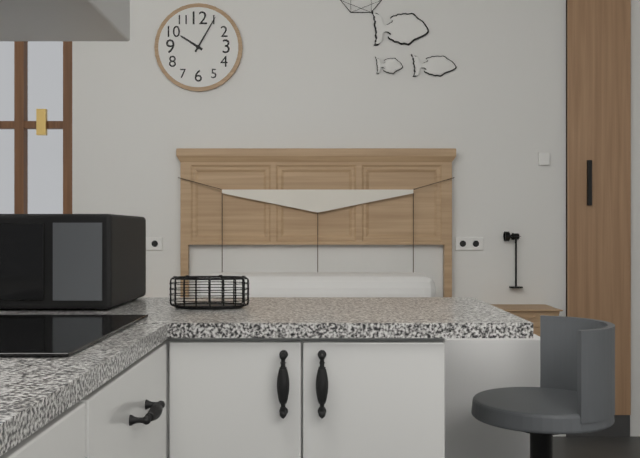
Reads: 10:05
